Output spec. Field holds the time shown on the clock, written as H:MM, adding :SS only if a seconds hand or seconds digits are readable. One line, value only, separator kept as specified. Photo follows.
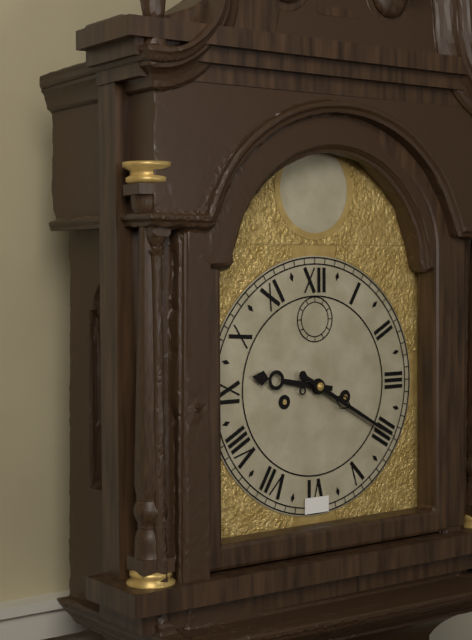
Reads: 9:20
